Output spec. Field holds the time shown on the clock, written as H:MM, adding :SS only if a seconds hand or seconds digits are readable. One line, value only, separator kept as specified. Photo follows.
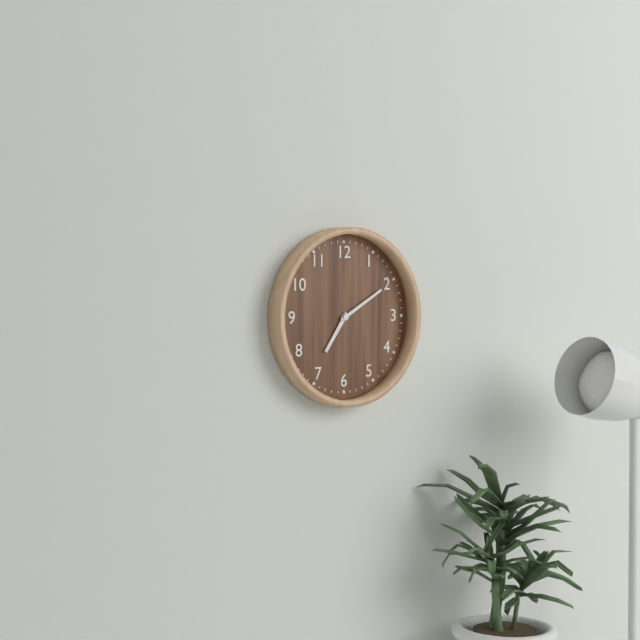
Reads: 7:10
